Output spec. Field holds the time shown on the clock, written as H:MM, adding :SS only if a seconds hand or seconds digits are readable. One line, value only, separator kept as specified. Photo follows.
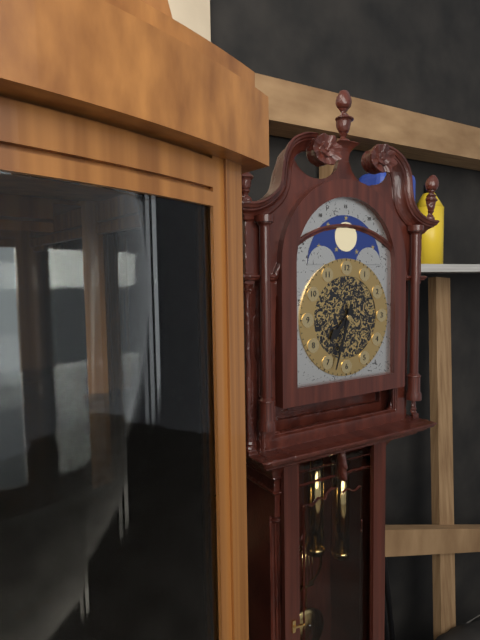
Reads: 7:33
